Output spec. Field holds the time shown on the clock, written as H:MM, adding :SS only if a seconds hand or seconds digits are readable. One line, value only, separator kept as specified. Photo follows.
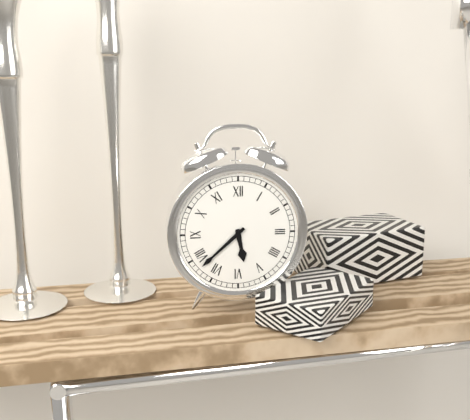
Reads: 5:38
